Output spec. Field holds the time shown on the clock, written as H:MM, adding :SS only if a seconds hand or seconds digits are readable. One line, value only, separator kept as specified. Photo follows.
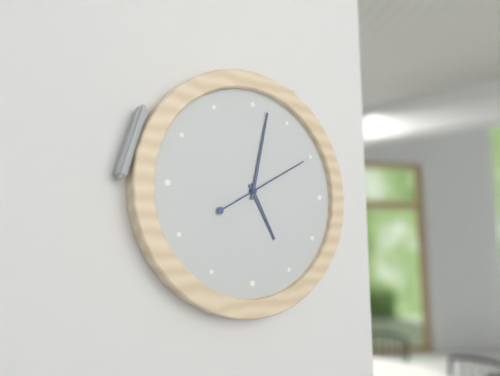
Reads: 5:02:10
